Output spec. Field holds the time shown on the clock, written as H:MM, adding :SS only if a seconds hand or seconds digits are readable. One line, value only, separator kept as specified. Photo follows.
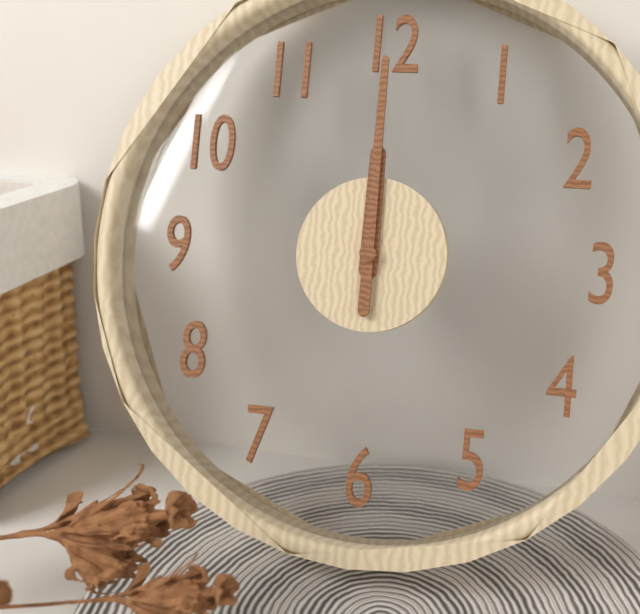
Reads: 12:00
